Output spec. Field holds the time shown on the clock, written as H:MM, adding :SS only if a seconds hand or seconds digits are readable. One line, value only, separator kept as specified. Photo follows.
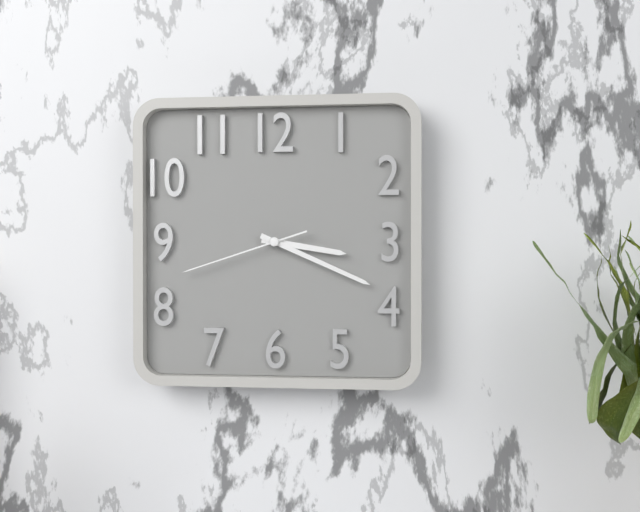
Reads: 3:19:42
